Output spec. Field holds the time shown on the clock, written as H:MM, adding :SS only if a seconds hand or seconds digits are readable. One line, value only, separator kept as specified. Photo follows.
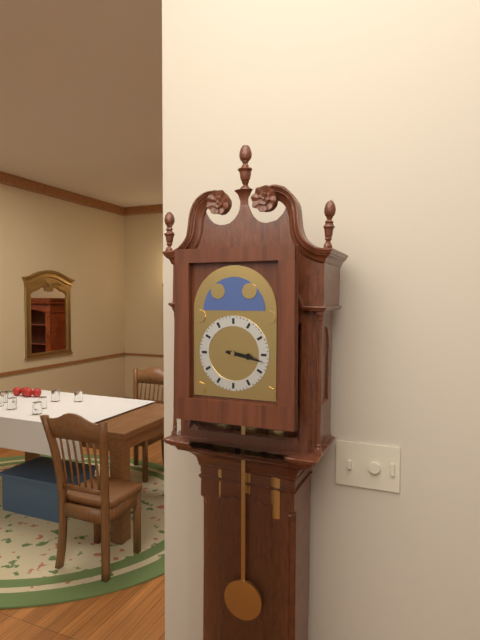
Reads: 3:17
